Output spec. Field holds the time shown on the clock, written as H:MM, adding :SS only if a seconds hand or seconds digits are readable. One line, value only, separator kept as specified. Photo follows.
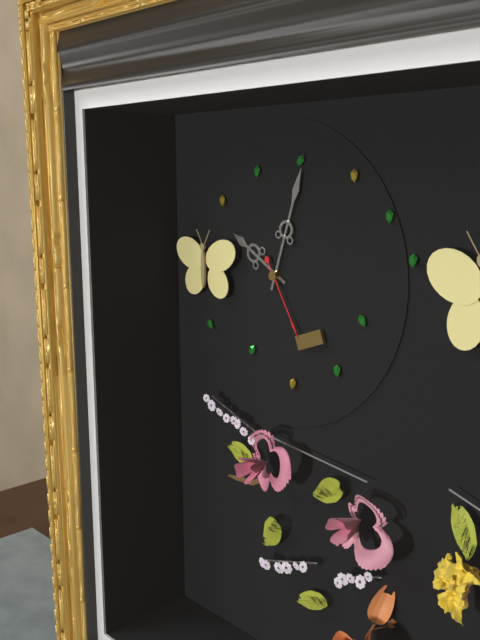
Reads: 10:03:25
